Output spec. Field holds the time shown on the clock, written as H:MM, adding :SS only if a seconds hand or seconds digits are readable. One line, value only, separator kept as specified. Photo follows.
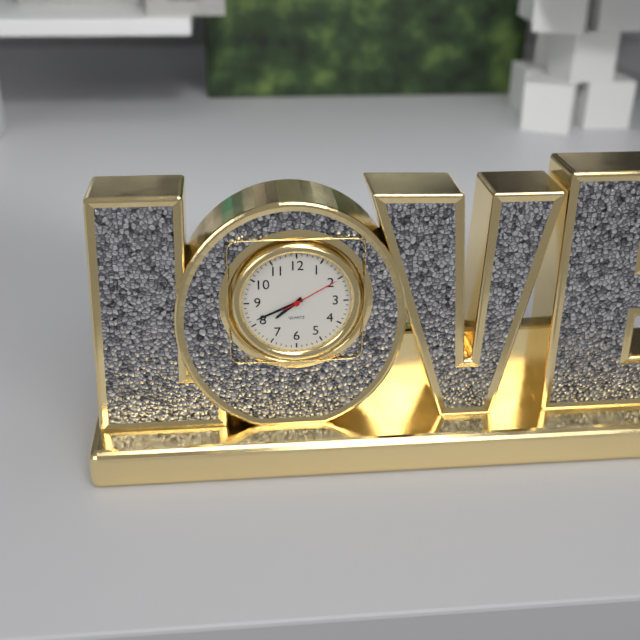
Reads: 7:41:10
